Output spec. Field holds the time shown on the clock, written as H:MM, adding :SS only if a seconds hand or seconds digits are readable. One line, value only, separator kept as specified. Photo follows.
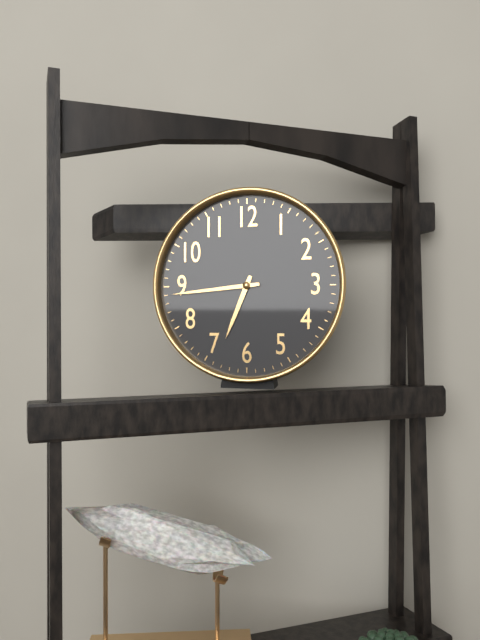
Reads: 6:44
